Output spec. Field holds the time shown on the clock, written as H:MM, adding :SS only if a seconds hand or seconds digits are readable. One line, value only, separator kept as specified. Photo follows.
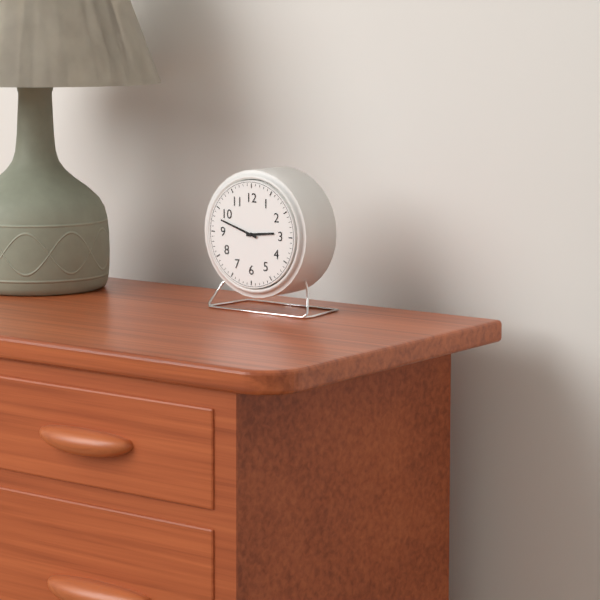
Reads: 2:48
